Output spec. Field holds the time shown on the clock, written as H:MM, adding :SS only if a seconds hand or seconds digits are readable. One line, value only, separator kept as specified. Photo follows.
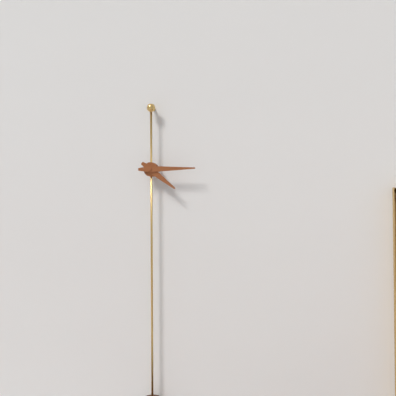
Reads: 4:15
